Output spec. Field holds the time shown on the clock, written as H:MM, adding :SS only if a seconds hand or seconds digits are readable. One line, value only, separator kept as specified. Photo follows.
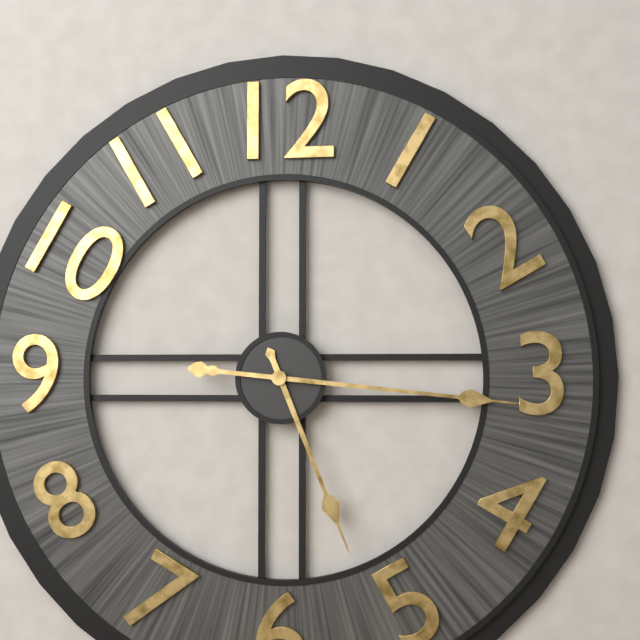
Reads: 5:16
